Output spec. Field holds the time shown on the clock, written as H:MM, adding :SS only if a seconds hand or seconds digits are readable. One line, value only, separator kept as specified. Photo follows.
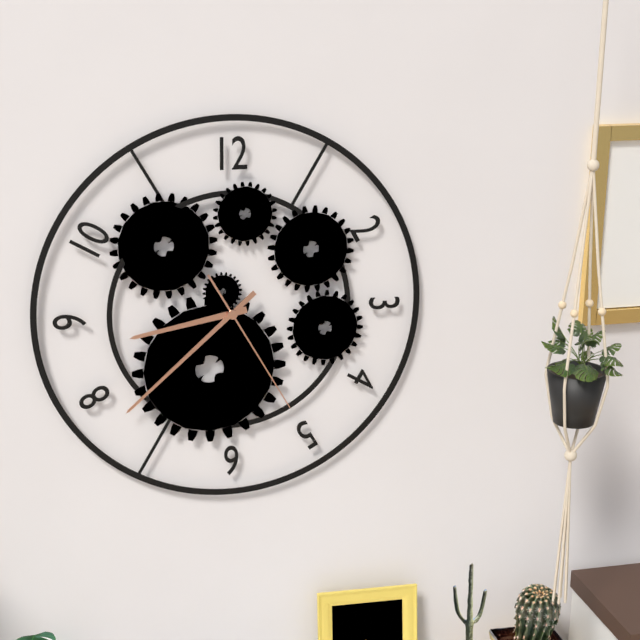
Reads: 8:38:25
